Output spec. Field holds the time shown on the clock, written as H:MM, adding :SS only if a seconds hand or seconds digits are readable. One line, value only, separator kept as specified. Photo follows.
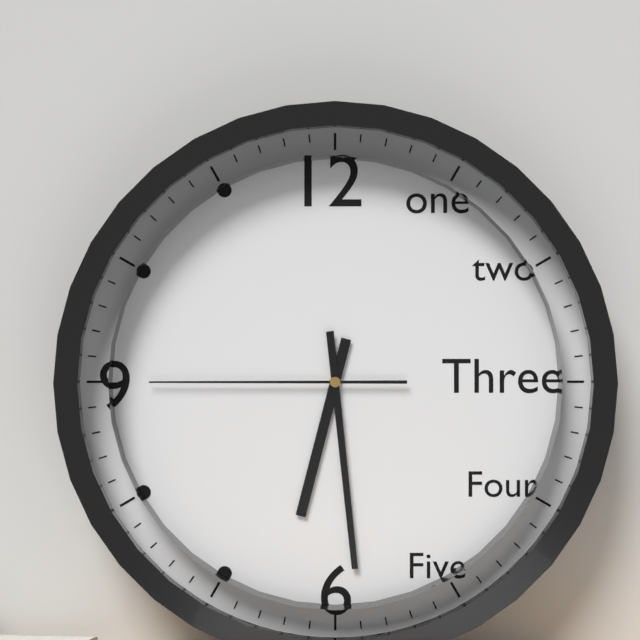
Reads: 6:29:45
